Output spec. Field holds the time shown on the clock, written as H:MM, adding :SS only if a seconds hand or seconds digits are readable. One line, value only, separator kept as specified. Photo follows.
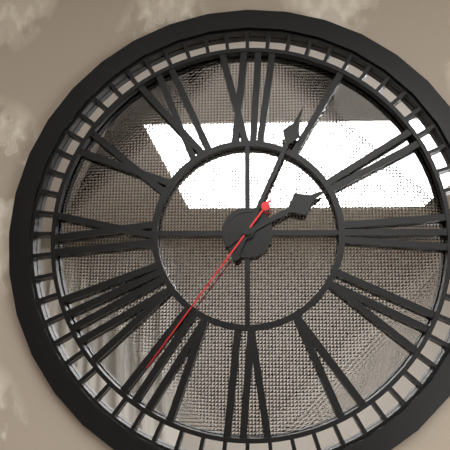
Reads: 2:04:36
